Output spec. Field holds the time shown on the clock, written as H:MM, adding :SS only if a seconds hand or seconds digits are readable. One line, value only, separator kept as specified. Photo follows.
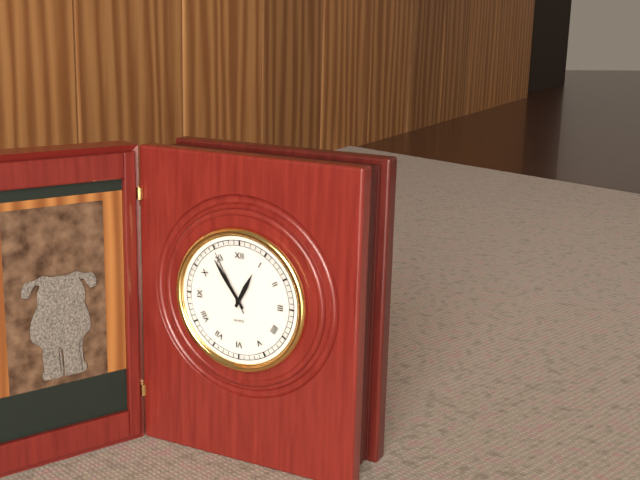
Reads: 12:54:55
